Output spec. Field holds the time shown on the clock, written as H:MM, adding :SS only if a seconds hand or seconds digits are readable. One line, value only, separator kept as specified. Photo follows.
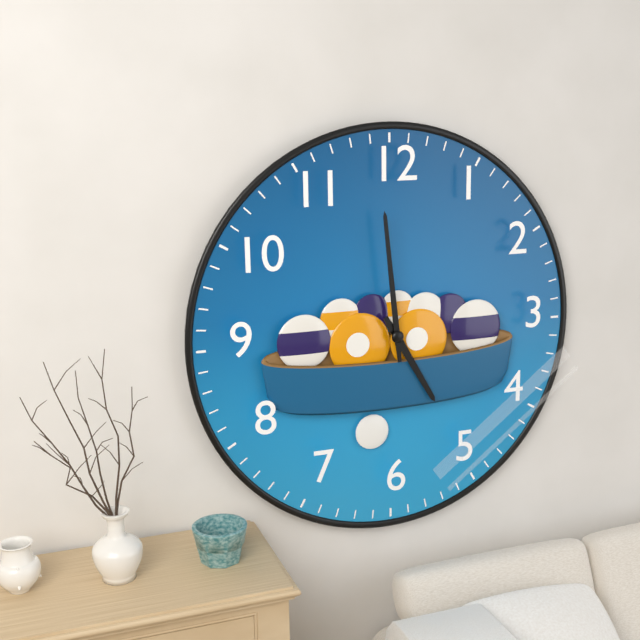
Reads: 4:59
